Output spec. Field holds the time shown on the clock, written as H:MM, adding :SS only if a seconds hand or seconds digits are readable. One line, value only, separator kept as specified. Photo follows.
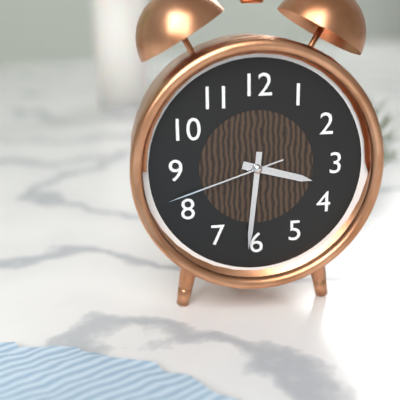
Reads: 3:31:42
